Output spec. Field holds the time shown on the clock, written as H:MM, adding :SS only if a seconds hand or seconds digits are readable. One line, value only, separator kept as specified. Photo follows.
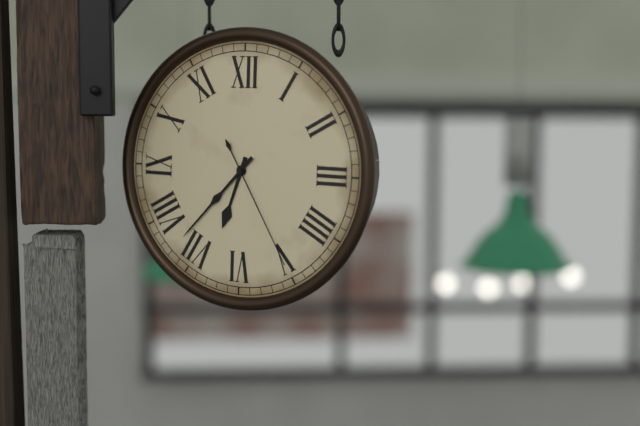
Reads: 6:37:25
